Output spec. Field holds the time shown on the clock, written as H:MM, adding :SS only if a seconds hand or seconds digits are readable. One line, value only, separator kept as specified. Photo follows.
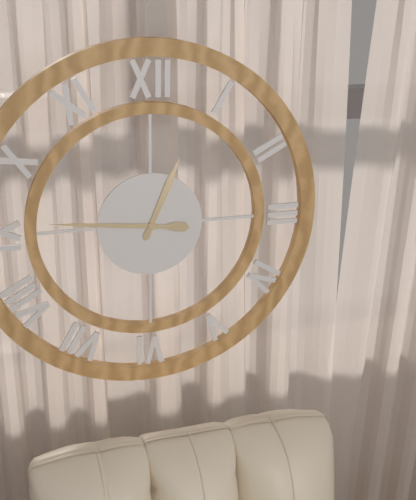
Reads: 12:46
